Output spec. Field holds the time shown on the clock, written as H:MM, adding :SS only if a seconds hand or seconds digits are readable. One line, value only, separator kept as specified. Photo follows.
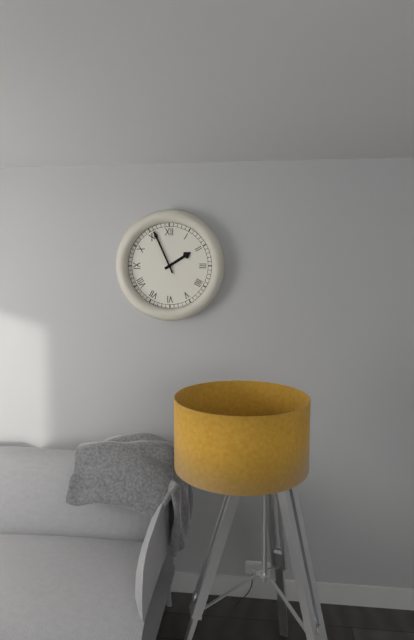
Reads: 1:56
